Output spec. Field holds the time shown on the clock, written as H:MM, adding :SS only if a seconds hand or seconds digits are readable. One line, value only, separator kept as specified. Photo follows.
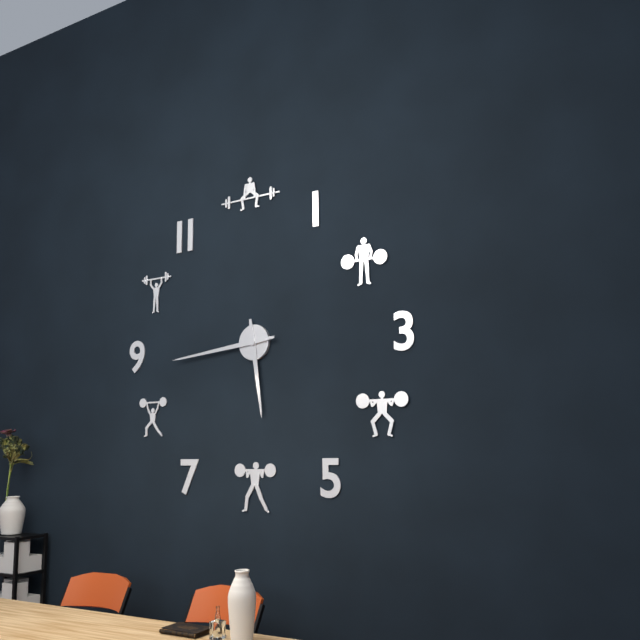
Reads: 5:44
